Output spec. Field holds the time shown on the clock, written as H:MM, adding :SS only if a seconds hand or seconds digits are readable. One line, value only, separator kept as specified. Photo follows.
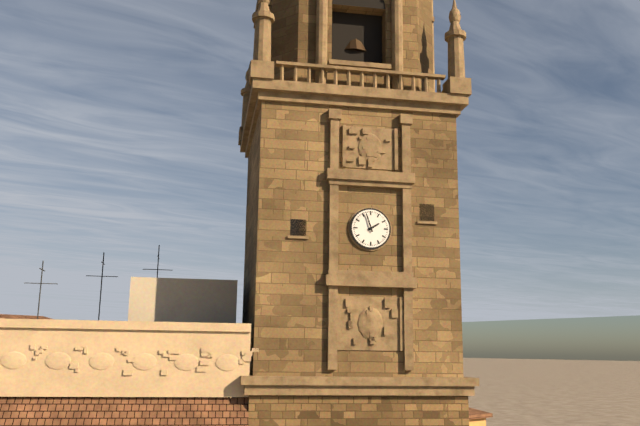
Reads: 1:57
